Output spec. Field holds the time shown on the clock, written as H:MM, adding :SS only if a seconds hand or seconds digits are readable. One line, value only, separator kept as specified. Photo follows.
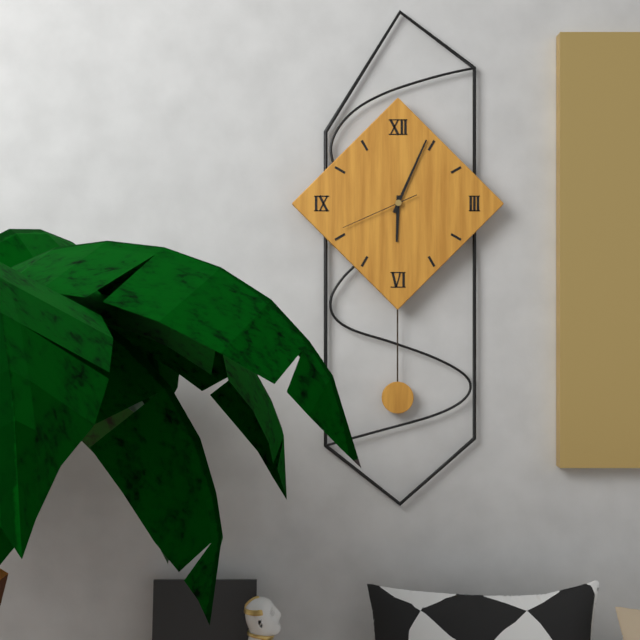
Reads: 6:04:41
